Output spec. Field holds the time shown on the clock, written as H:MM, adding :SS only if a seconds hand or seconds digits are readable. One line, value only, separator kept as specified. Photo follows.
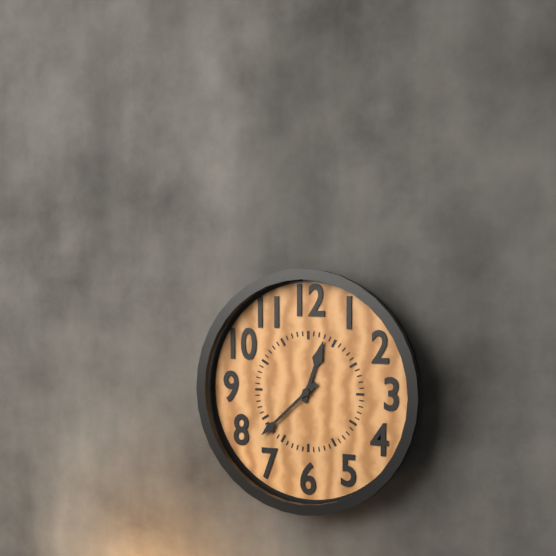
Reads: 12:38
